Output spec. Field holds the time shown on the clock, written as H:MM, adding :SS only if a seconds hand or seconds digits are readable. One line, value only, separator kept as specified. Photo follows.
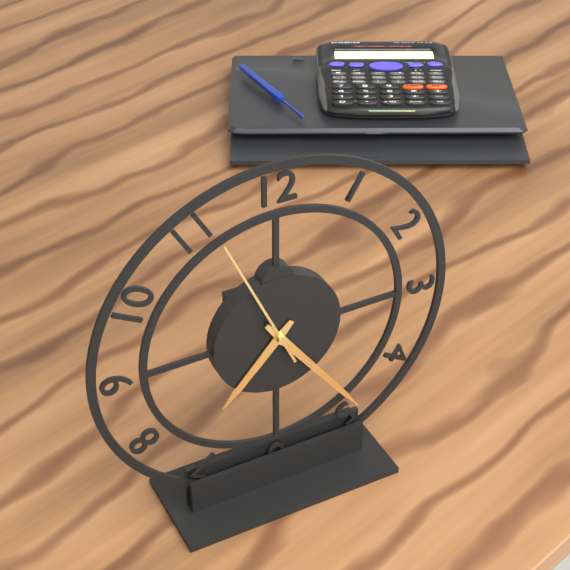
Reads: 7:24:56
